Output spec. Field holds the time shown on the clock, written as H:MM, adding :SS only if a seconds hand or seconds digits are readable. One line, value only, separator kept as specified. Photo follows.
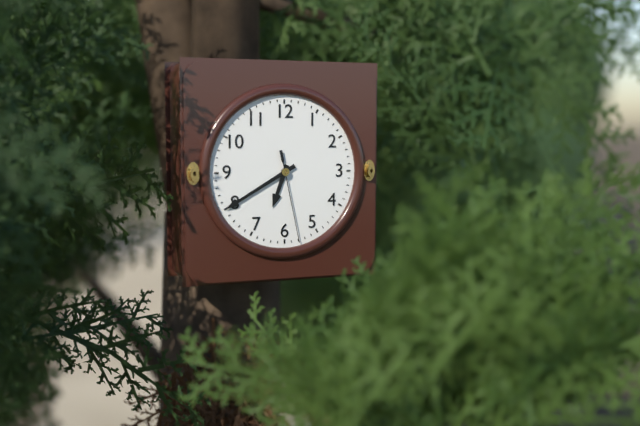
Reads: 6:40:28
